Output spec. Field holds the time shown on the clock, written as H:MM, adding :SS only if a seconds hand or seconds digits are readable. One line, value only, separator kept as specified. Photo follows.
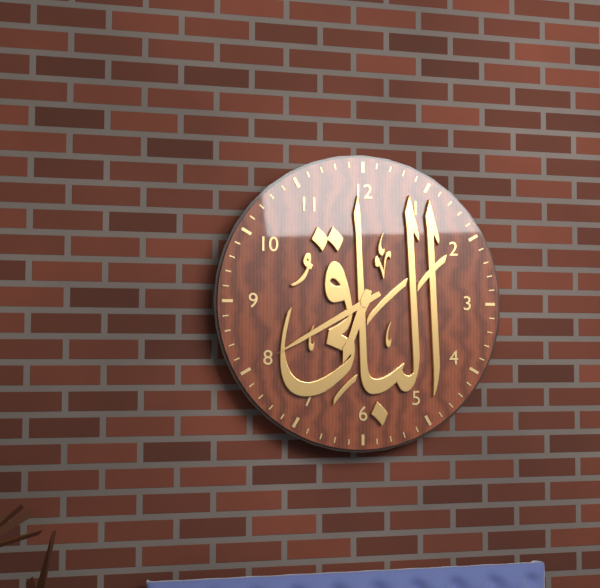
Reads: 6:40
